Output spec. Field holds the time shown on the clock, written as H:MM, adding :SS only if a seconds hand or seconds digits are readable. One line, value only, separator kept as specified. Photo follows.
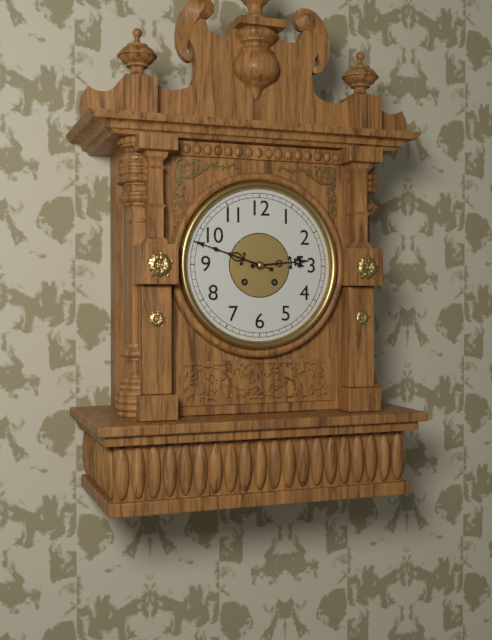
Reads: 2:48
